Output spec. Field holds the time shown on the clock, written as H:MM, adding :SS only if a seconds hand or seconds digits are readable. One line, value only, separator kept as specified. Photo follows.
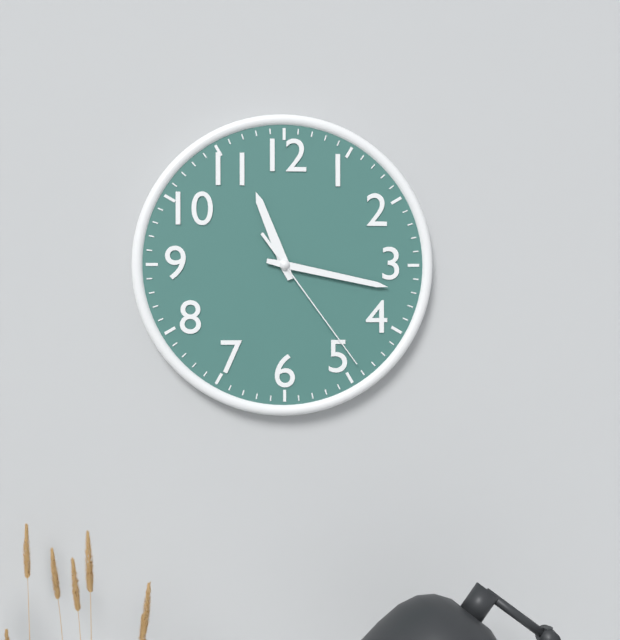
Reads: 11:17:24
